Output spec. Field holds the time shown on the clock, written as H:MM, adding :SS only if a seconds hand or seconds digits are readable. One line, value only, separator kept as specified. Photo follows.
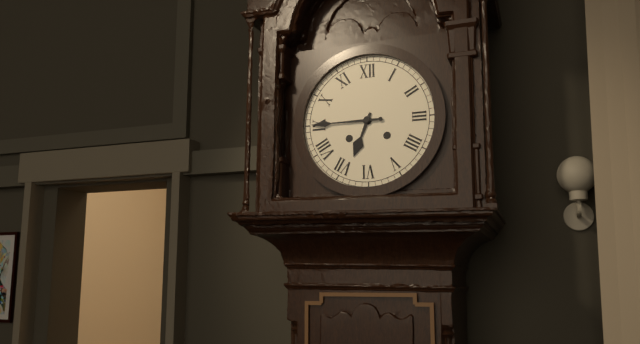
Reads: 6:45
